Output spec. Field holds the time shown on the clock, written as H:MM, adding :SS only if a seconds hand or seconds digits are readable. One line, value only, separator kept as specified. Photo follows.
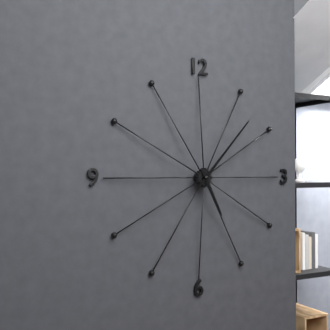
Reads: 5:07
